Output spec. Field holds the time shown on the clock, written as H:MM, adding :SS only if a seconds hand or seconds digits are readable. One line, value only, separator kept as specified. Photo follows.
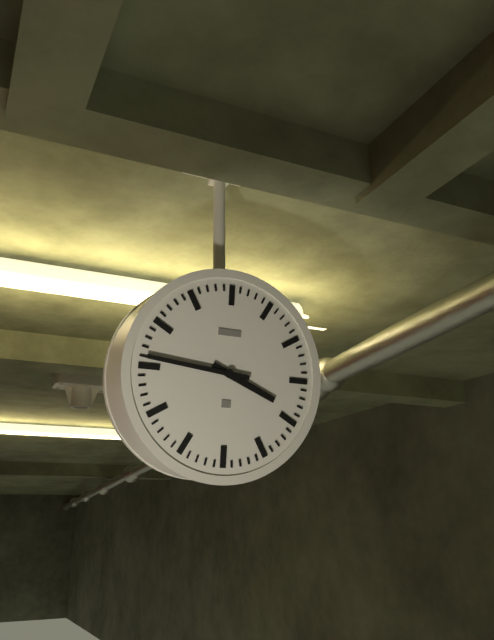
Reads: 3:46
